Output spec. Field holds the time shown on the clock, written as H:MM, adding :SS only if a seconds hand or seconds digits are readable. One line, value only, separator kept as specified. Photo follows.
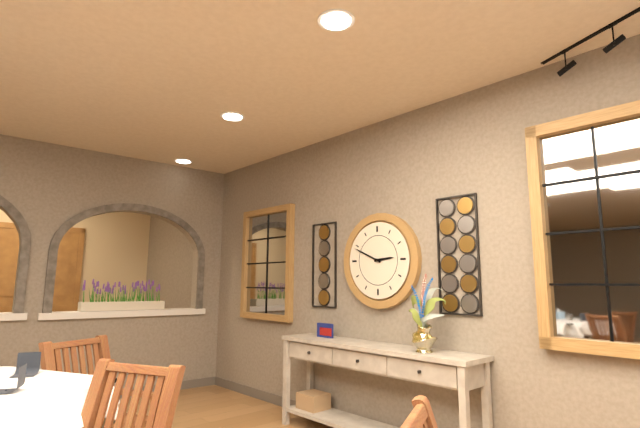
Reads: 2:49
